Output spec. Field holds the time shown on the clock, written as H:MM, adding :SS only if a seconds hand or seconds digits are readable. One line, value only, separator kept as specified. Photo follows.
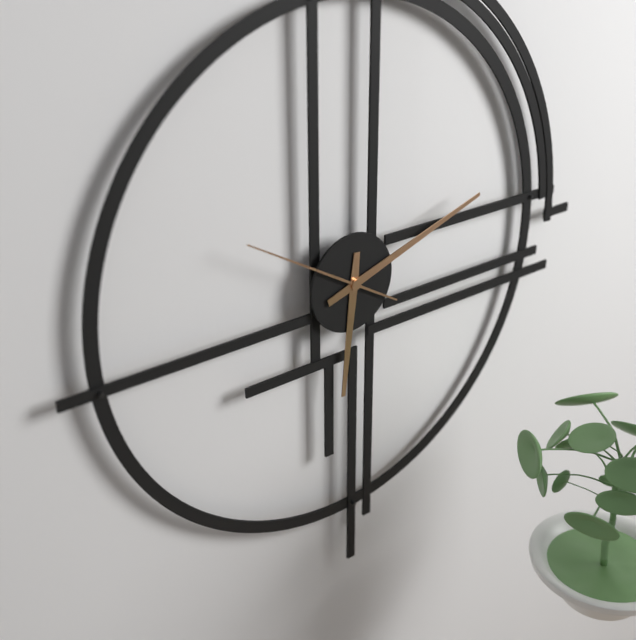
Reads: 6:12:50
